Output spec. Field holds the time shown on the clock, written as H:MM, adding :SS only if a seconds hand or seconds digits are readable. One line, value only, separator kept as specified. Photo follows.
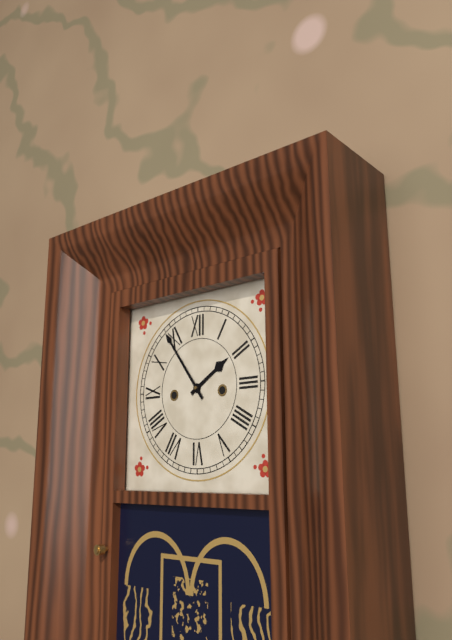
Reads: 1:54
